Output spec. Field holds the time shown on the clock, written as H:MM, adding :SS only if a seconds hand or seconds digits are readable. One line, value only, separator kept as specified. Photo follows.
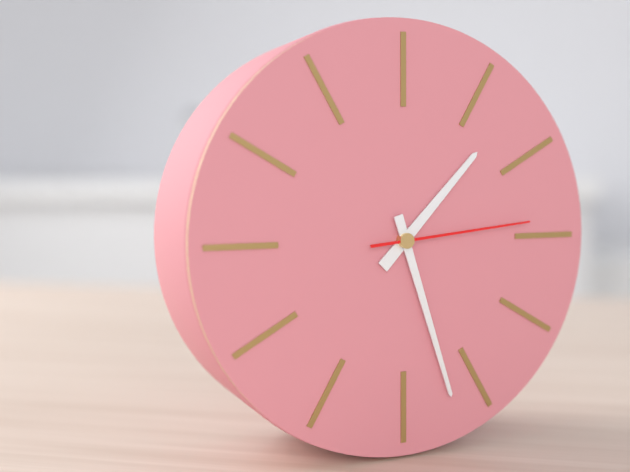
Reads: 1:27:14
